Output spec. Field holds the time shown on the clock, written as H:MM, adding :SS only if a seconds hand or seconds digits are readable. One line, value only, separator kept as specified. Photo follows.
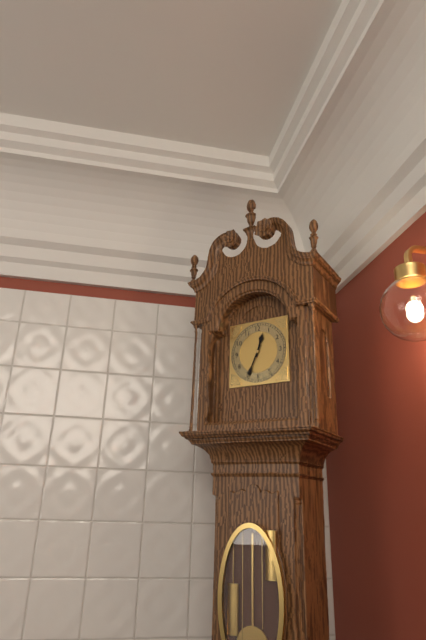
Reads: 12:34
